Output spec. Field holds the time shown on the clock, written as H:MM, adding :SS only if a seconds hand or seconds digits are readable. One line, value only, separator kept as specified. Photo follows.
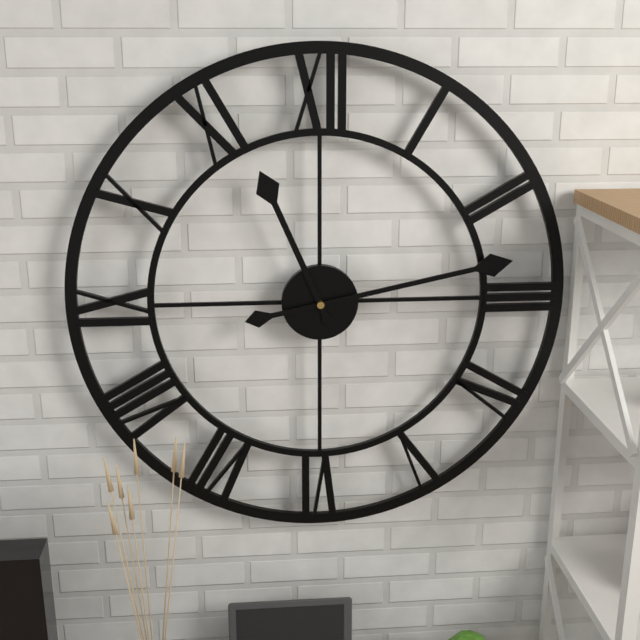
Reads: 11:13
